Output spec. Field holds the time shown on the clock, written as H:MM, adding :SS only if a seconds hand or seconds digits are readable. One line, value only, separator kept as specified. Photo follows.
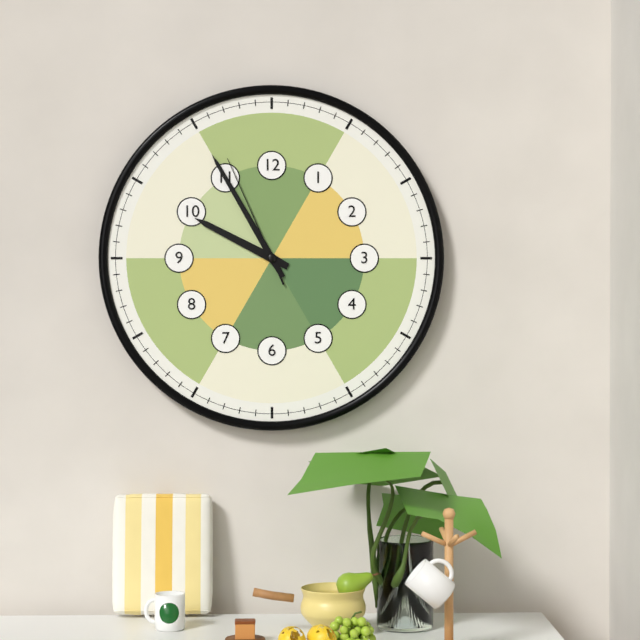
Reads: 9:55:56
